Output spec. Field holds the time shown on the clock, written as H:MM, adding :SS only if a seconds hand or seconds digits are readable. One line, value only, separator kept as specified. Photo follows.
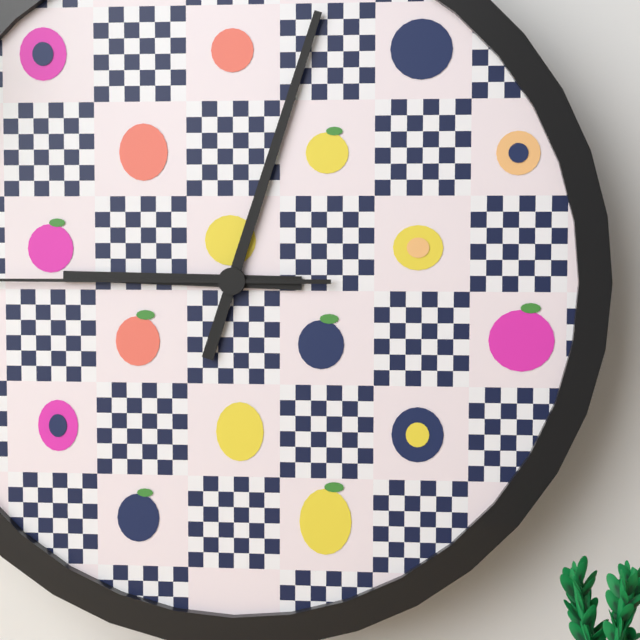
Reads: 9:03
